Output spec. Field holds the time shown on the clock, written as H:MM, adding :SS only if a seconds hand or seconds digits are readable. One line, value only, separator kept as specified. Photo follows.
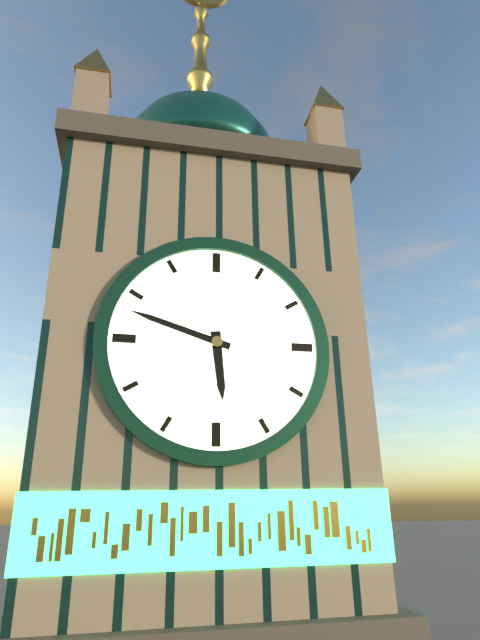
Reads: 5:48
